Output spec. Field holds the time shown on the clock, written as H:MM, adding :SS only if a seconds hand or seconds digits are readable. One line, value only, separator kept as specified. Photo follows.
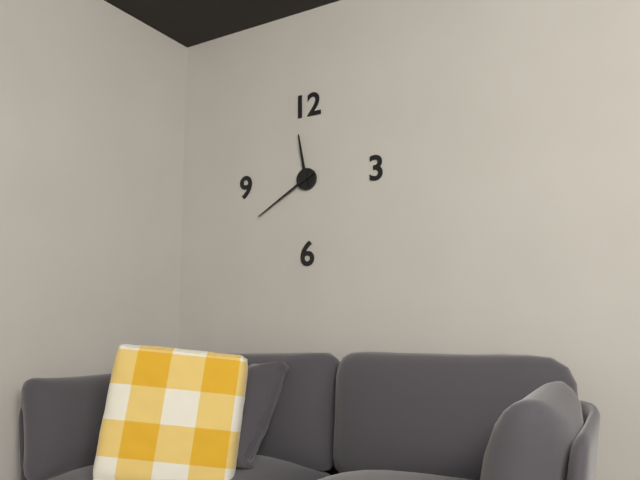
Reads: 11:40
